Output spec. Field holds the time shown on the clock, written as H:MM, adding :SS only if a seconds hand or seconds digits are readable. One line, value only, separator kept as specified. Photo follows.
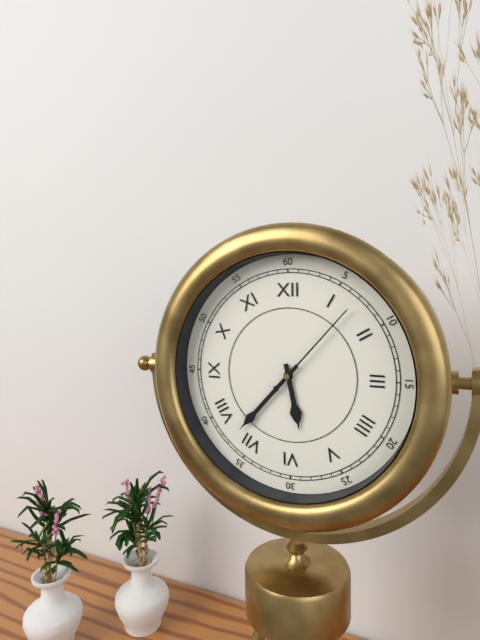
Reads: 5:37:07
